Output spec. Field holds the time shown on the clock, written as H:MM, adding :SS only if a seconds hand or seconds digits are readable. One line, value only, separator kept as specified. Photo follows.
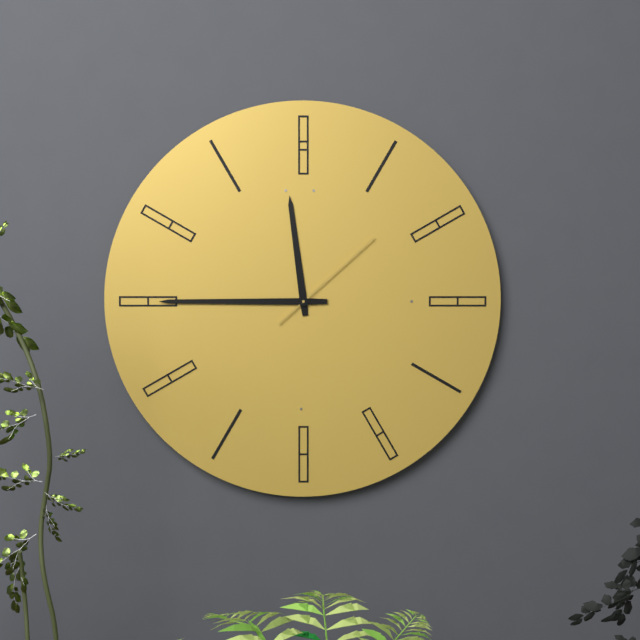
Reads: 11:45:08
